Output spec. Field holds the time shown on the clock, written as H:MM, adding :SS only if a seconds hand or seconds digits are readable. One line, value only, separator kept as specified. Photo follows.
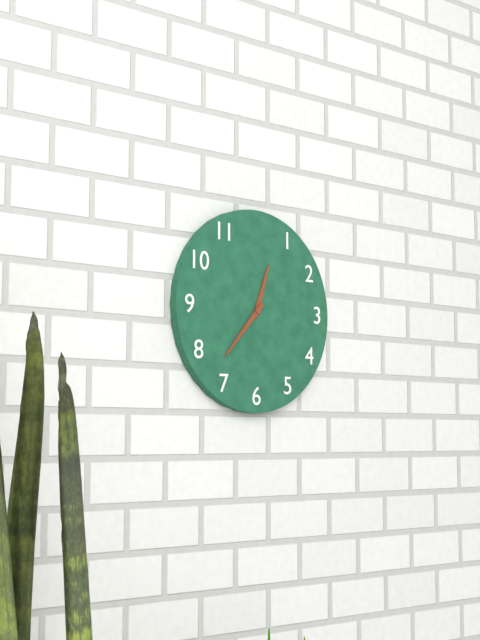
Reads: 12:37
